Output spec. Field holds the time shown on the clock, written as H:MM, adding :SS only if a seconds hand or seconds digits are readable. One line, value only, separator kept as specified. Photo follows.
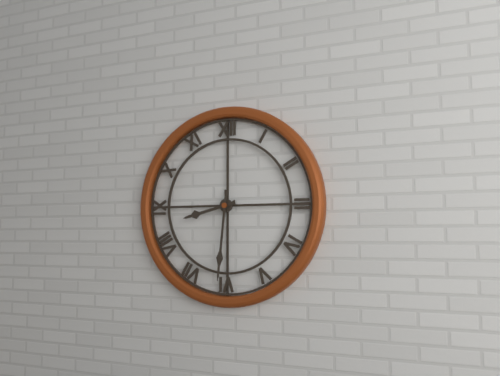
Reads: 8:31
